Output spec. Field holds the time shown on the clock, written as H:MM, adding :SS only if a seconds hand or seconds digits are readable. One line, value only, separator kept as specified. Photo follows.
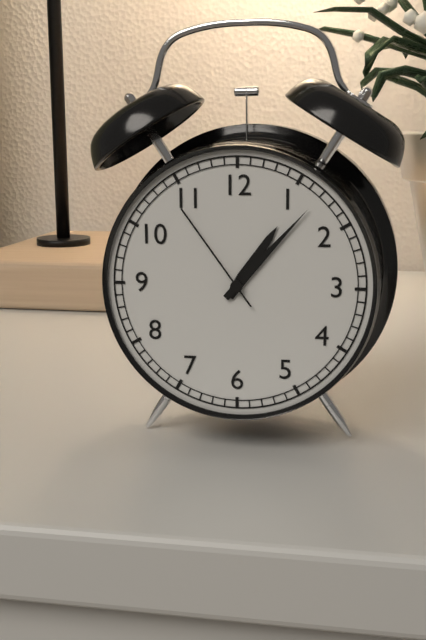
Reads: 1:07:54
